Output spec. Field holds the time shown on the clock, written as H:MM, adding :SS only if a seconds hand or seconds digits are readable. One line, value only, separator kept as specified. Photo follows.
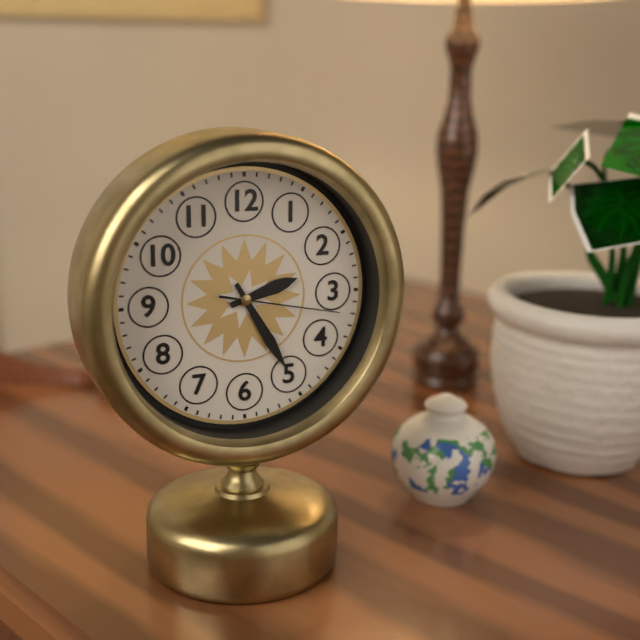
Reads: 2:25:17
